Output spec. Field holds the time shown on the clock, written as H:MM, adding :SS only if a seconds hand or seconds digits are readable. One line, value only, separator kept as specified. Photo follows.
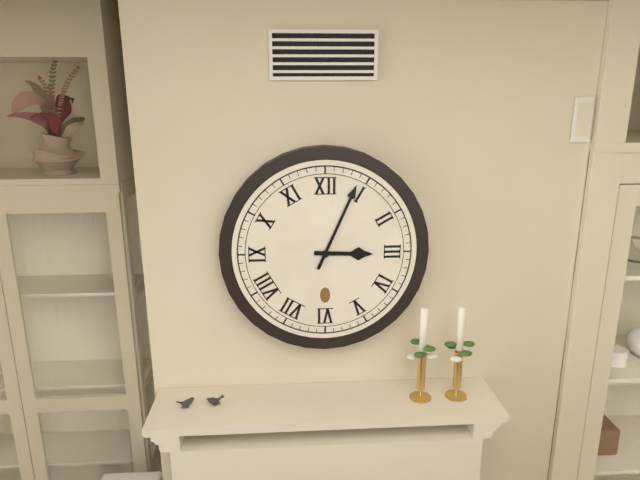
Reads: 3:04
